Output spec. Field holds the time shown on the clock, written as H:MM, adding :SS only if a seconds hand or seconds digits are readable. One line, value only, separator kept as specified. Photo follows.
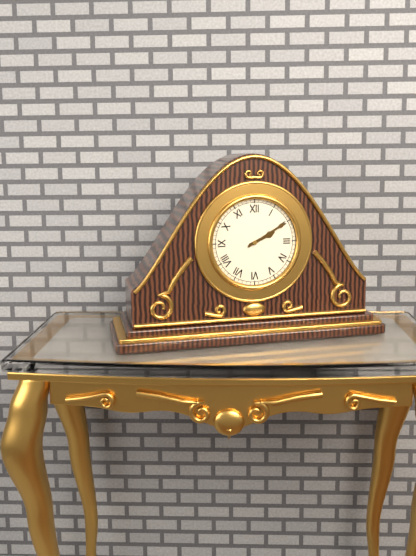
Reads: 2:10
